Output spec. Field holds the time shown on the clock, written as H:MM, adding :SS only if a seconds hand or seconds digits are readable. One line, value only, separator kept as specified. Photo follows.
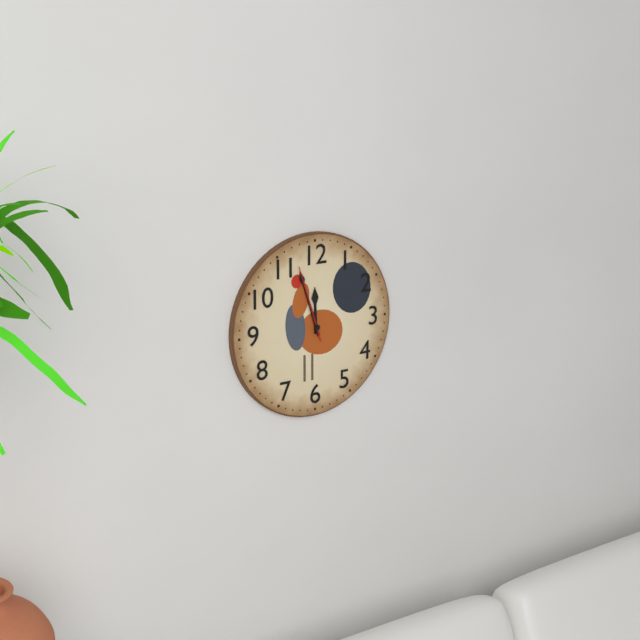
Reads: 11:57:57
